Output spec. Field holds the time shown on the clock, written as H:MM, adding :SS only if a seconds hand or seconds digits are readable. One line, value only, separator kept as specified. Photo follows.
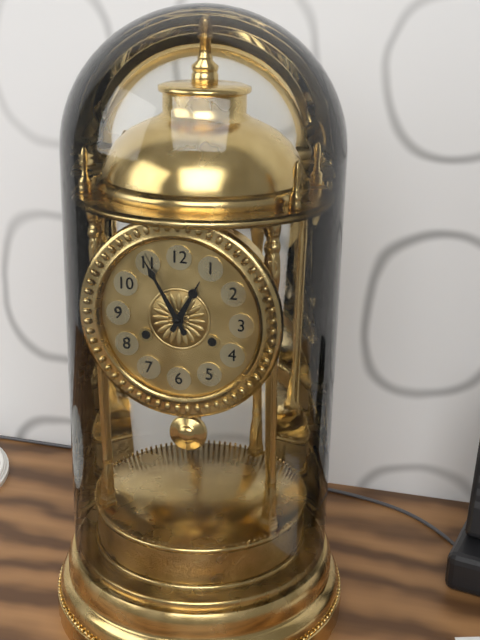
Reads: 12:55
